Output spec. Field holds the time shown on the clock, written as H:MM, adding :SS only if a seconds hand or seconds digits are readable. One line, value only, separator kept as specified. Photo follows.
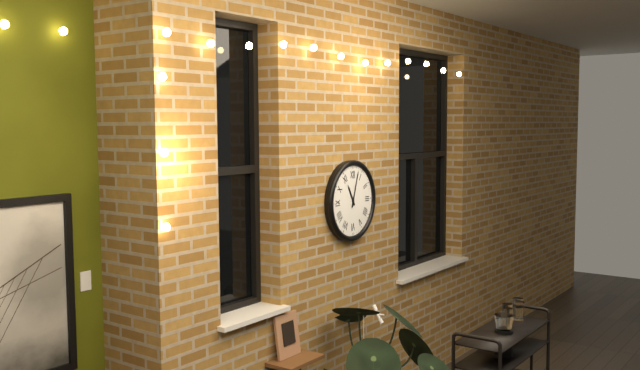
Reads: 11:03
